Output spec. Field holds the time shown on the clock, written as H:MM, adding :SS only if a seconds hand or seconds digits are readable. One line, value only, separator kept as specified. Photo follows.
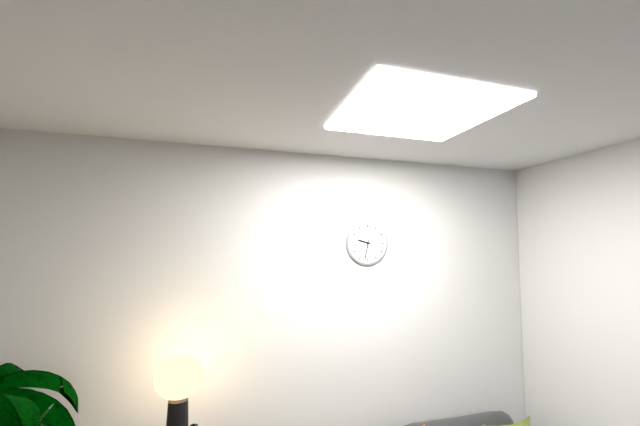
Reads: 9:32
